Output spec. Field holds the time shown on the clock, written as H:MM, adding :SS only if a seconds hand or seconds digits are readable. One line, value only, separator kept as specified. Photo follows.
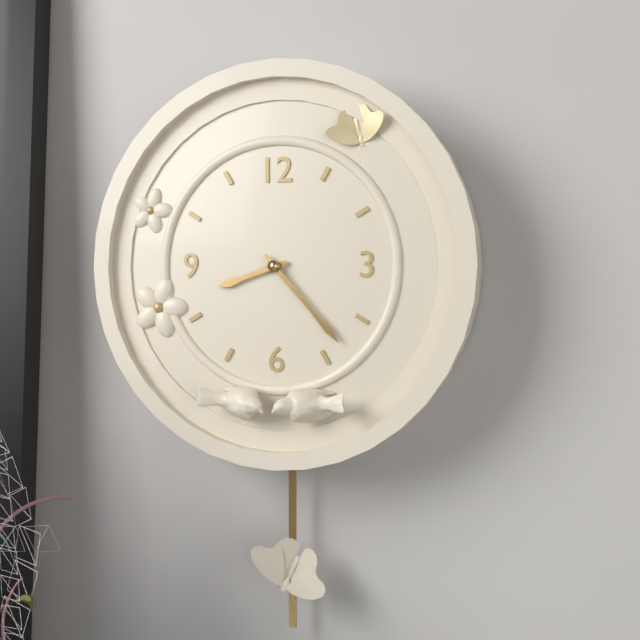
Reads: 8:23
